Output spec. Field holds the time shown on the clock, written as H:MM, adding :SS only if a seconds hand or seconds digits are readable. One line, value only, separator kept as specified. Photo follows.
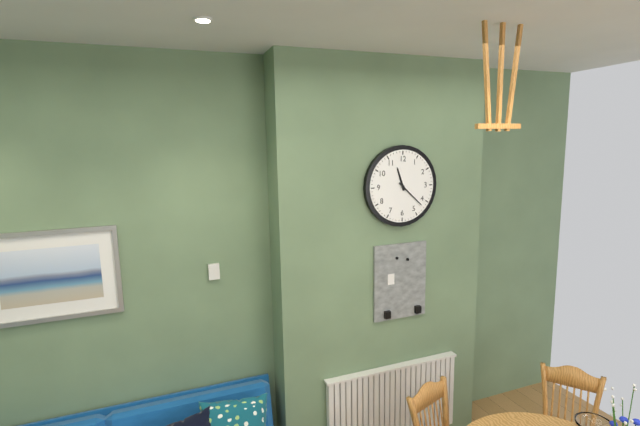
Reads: 11:22
